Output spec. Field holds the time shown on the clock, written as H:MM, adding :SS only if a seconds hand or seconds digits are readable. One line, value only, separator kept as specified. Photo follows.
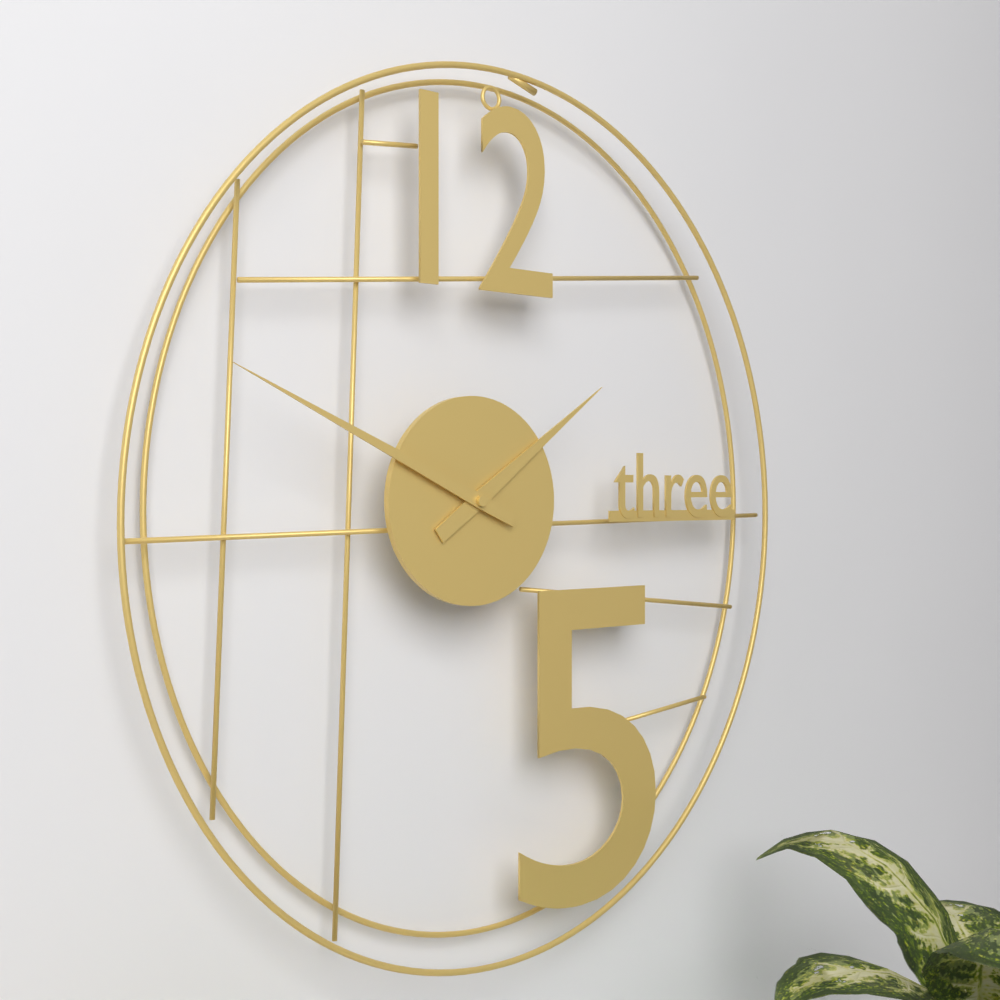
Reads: 1:49
